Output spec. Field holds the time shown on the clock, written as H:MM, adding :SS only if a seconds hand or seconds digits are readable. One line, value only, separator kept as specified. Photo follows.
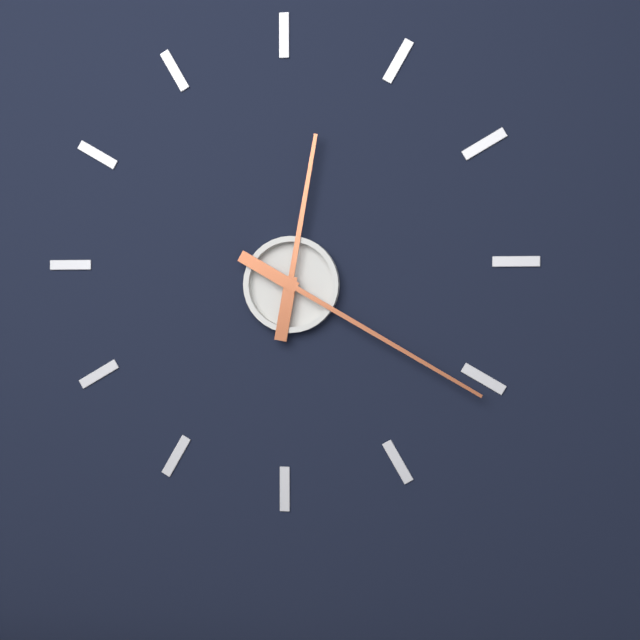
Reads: 12:20
